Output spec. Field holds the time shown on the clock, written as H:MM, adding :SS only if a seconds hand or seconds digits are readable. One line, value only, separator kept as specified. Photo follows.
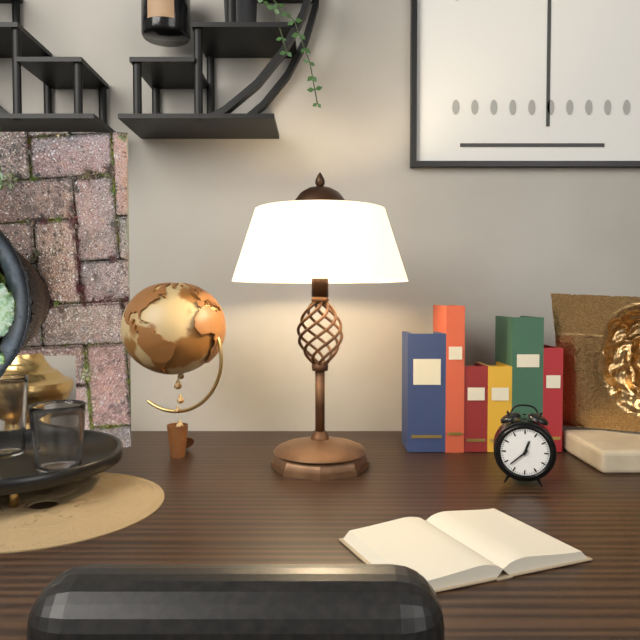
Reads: 12:38
